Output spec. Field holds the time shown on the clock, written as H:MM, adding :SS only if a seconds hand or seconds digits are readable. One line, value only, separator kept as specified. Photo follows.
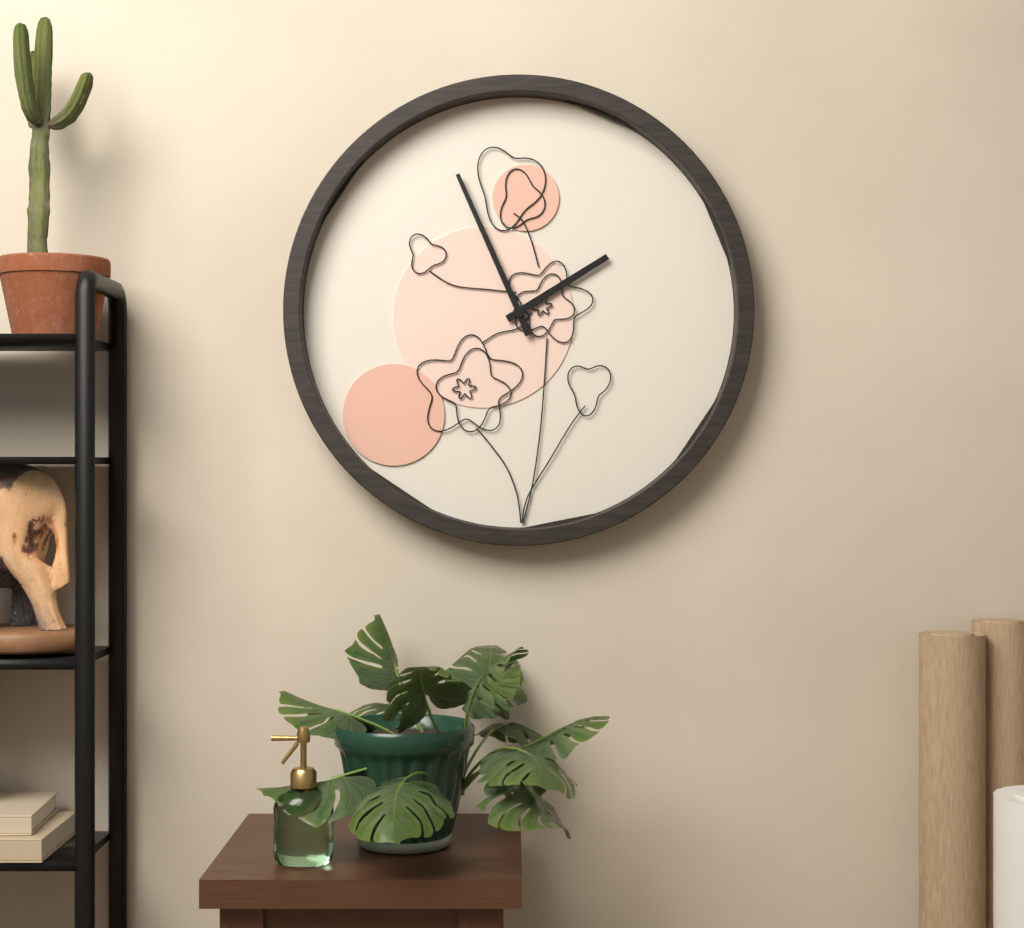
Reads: 1:56
